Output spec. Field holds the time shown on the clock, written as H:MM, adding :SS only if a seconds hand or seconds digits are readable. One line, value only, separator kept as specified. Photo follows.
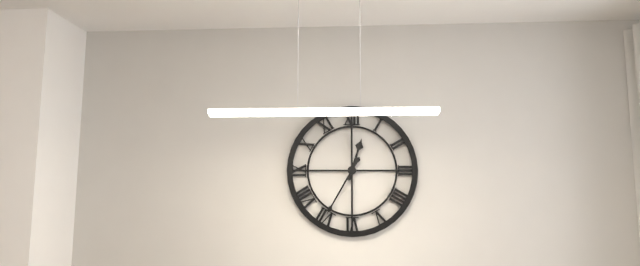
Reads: 12:35
